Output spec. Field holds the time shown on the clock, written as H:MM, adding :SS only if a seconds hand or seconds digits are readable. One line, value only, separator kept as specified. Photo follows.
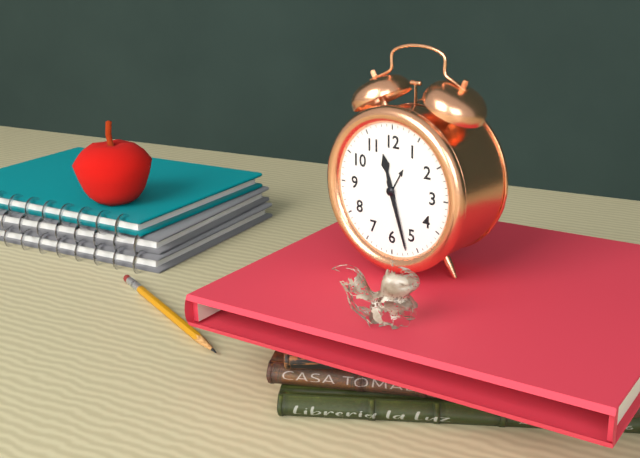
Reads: 11:27
